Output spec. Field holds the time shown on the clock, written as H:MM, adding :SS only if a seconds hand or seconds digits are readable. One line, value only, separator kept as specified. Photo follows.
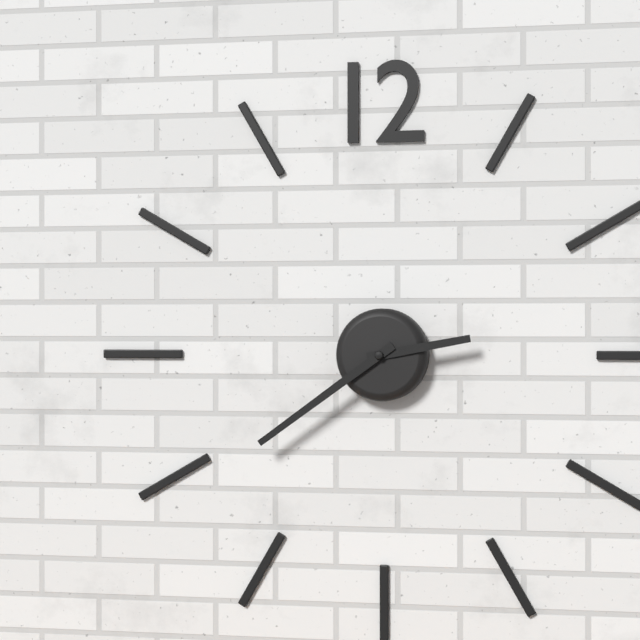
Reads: 2:39
